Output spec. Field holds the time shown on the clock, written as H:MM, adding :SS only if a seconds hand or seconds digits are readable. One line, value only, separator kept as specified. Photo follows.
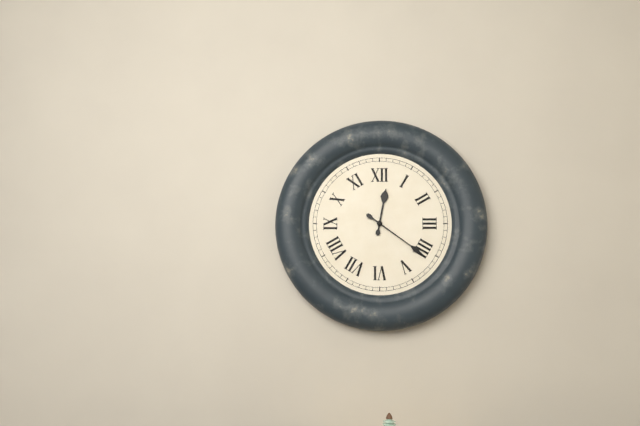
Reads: 12:21
